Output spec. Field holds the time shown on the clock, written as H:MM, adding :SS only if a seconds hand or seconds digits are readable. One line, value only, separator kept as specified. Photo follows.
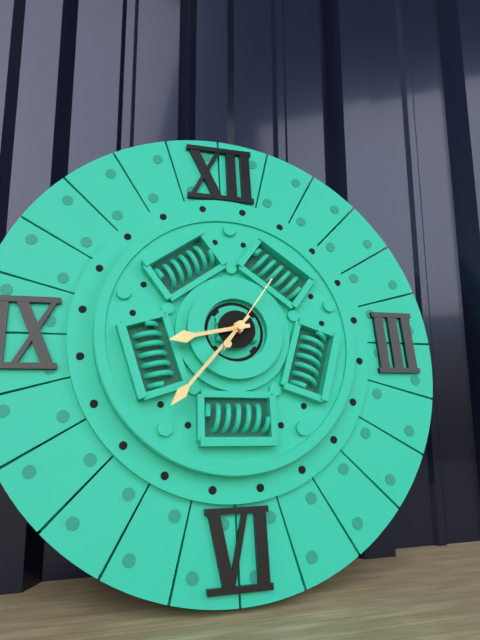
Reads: 8:37:06
